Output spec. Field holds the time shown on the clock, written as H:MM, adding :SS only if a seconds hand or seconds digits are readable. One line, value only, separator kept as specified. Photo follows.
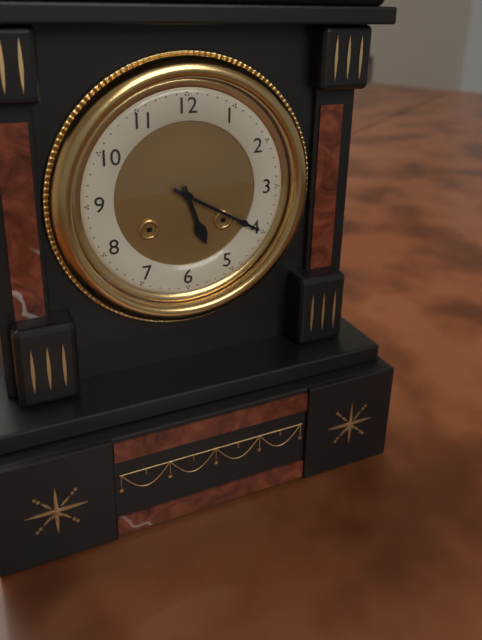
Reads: 5:20
